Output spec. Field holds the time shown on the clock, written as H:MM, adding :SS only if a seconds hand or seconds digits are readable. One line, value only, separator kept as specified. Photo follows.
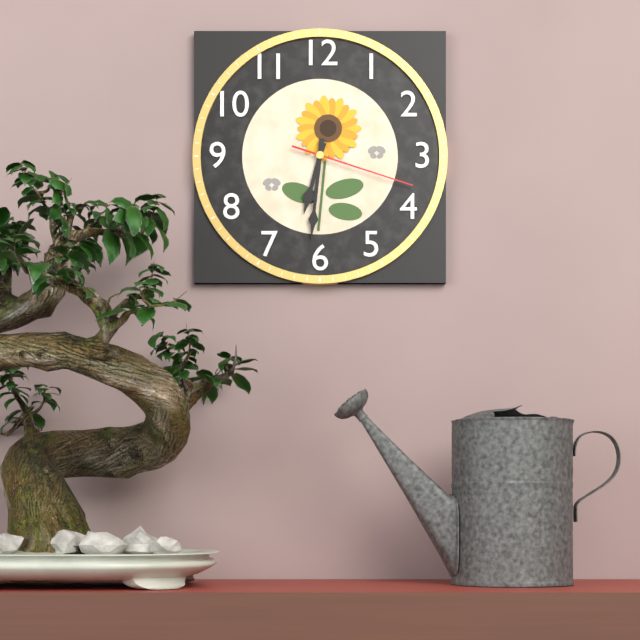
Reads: 6:31:18
